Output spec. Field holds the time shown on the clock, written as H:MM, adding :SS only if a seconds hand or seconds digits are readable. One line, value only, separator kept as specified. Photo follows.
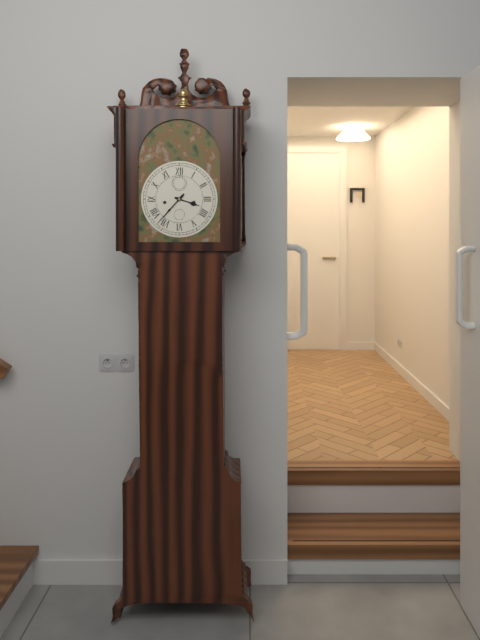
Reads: 3:37
